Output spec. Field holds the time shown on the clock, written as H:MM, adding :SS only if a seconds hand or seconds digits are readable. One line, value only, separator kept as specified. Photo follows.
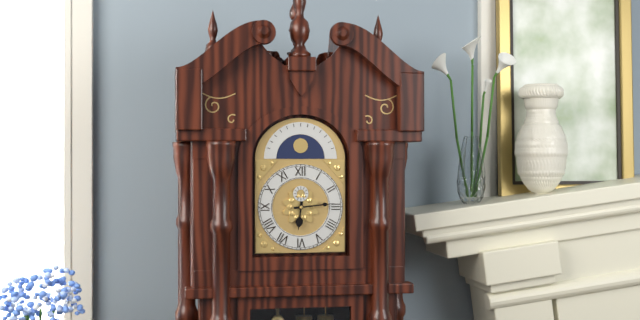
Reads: 6:14
